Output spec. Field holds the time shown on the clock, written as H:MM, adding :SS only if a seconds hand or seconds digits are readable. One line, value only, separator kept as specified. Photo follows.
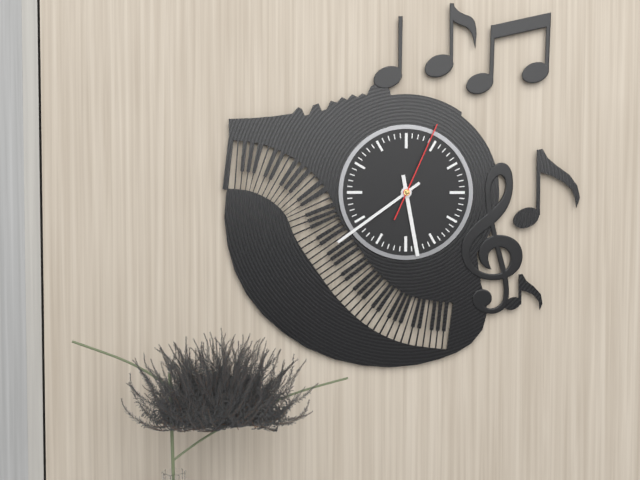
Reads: 5:39:04
